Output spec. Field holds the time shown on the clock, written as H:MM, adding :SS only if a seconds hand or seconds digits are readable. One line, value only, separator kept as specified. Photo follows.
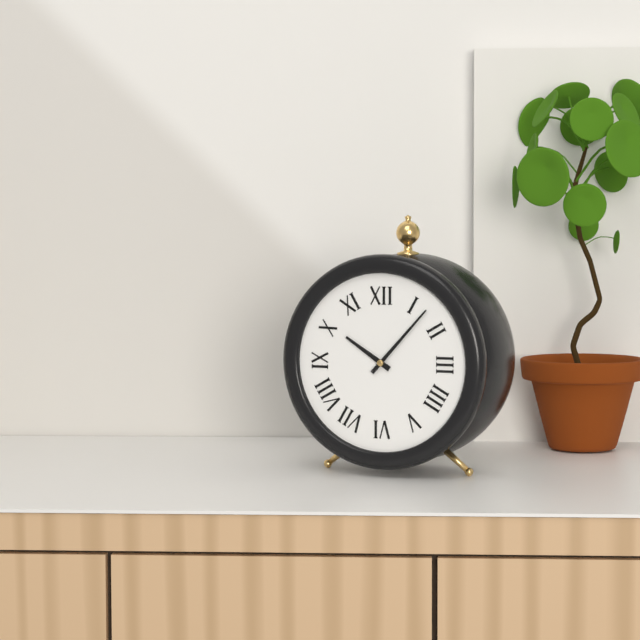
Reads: 10:07
